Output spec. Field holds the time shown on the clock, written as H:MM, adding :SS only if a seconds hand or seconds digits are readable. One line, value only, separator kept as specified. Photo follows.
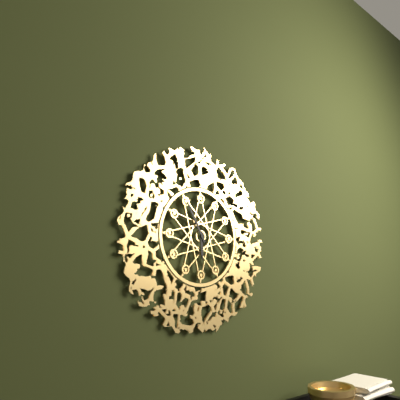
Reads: 5:55
